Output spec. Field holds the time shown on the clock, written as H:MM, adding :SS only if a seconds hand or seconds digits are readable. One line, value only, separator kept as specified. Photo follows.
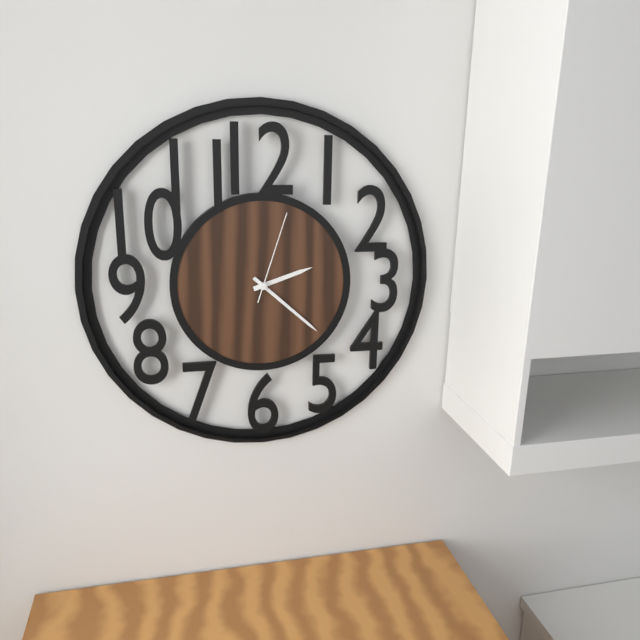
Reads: 2:22:03
